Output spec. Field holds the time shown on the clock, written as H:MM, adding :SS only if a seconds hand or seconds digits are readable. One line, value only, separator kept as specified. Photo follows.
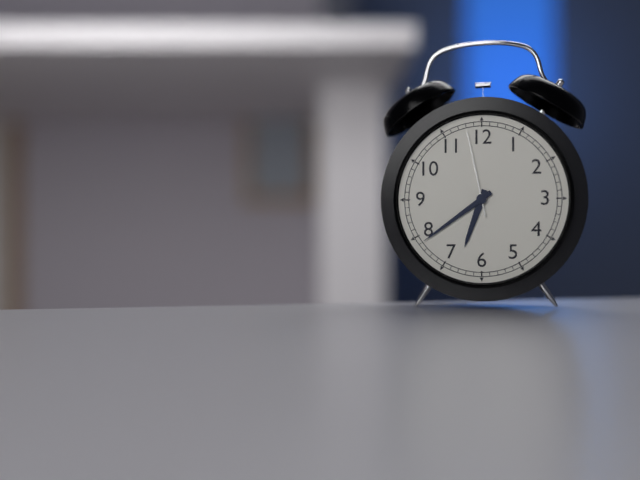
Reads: 6:39:58
